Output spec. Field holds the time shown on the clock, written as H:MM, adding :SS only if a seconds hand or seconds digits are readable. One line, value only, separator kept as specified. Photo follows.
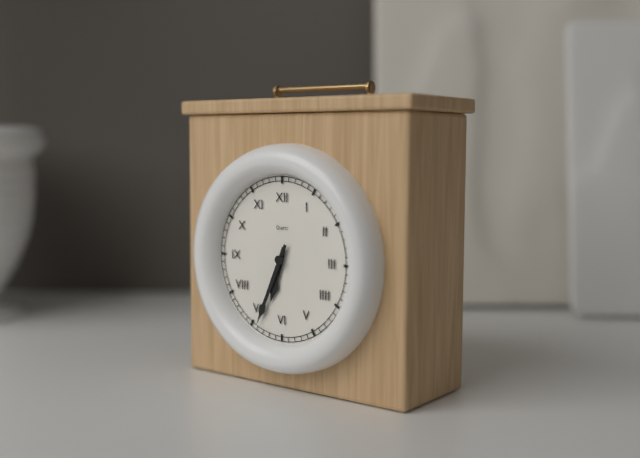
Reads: 6:34
